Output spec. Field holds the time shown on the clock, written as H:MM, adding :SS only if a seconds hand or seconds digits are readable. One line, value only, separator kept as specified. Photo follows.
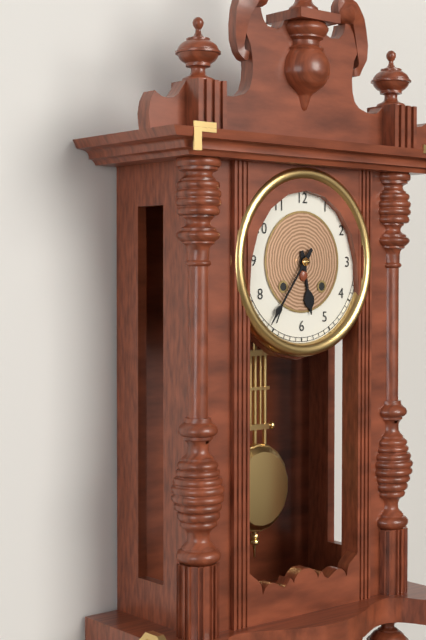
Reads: 5:36
